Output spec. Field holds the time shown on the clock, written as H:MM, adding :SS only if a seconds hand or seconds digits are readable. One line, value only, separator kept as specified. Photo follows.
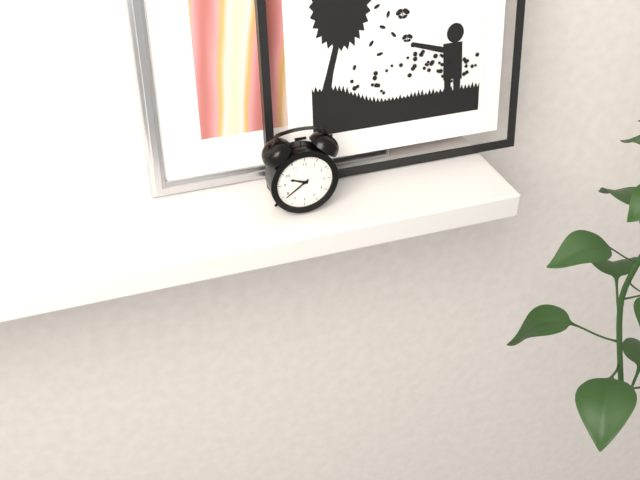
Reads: 9:39
